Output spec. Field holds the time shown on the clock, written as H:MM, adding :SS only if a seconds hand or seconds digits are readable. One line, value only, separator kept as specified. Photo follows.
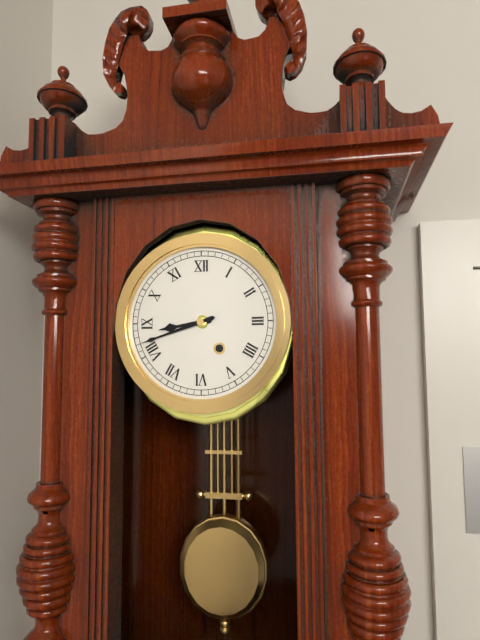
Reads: 8:42
